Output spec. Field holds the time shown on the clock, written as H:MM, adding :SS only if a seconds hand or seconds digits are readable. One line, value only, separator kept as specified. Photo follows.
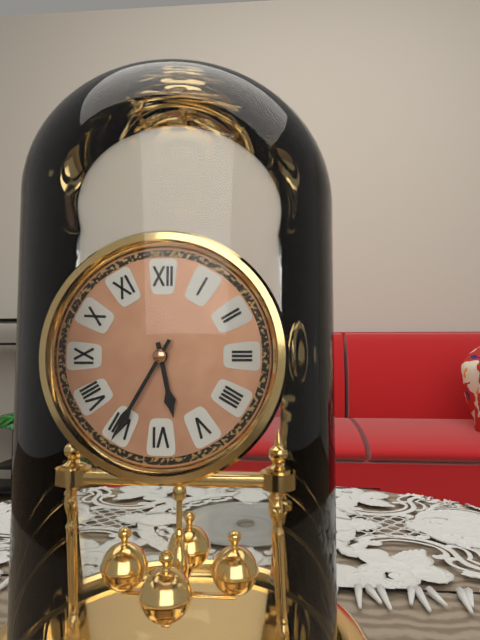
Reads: 5:35
